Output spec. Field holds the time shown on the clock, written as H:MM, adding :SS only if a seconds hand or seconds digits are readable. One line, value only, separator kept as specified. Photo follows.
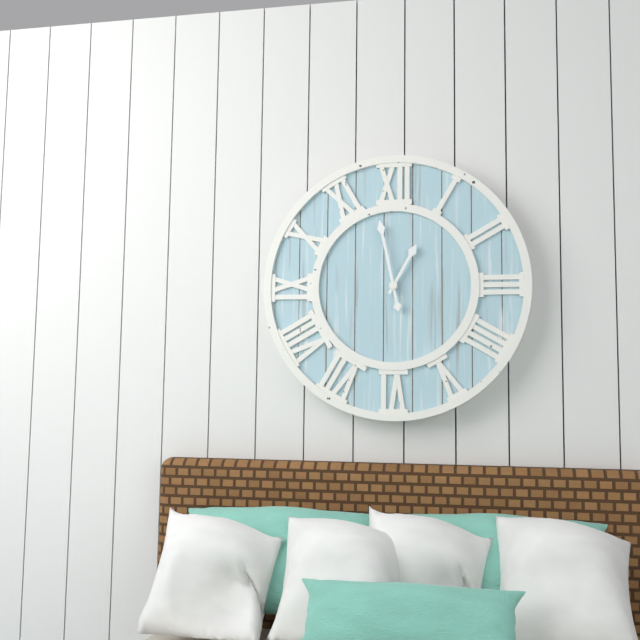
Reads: 12:58
